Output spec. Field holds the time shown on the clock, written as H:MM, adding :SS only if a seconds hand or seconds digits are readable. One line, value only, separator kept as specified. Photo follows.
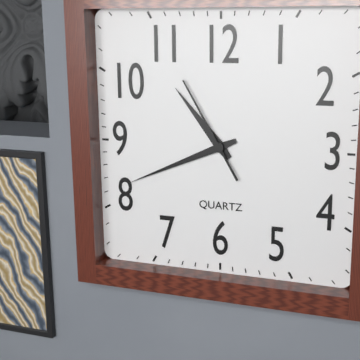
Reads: 10:41:55
